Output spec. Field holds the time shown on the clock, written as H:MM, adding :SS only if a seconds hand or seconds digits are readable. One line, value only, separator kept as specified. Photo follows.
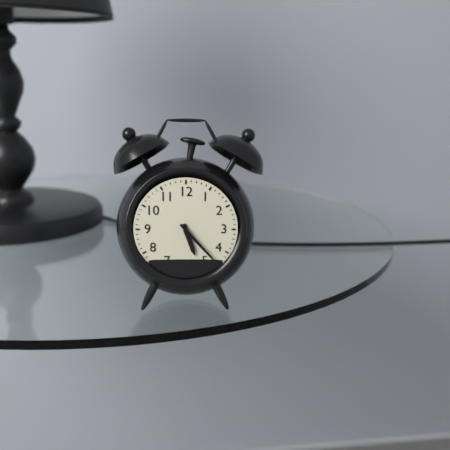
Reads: 5:23
